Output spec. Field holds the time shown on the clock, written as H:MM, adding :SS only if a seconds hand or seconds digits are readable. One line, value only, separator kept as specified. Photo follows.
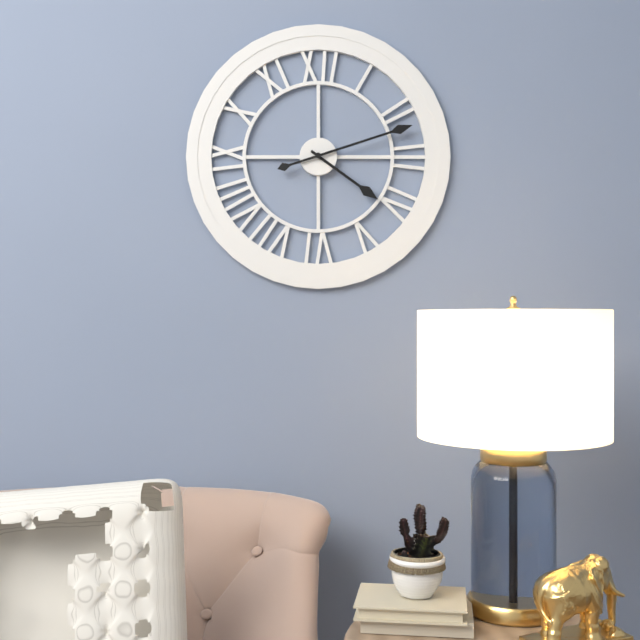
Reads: 4:12
